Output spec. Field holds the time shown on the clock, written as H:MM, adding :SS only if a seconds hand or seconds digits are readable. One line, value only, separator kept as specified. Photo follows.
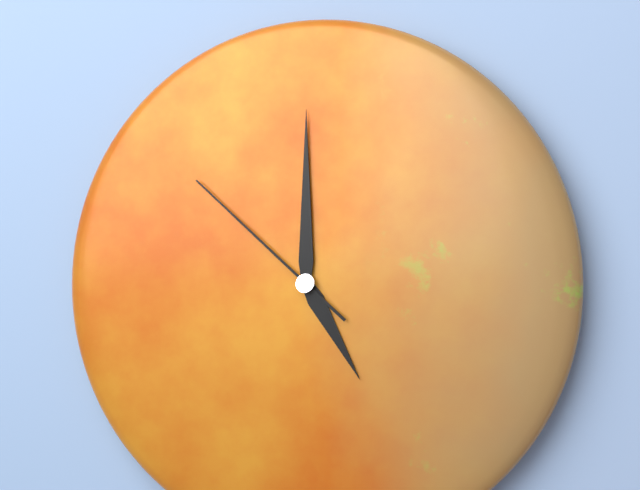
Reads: 5:00:52
